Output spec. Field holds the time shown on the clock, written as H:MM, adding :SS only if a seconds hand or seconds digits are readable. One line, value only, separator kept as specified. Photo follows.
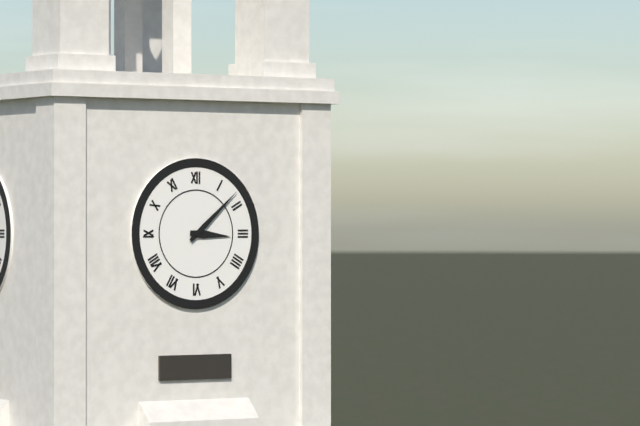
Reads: 3:08
